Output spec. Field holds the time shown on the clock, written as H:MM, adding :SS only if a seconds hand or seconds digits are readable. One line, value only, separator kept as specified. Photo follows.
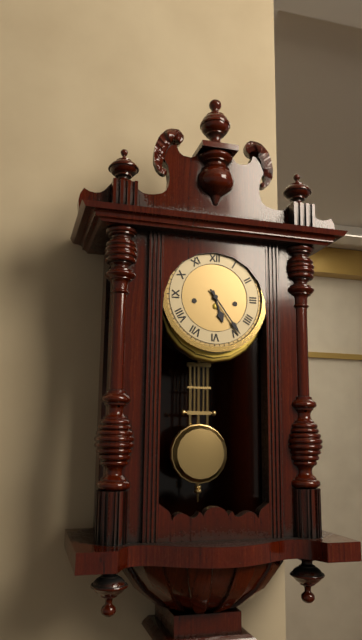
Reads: 5:24
